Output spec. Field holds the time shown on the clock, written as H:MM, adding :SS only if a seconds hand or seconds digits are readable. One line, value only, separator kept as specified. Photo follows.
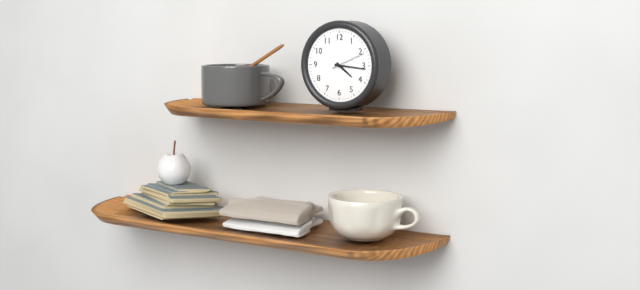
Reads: 4:16
